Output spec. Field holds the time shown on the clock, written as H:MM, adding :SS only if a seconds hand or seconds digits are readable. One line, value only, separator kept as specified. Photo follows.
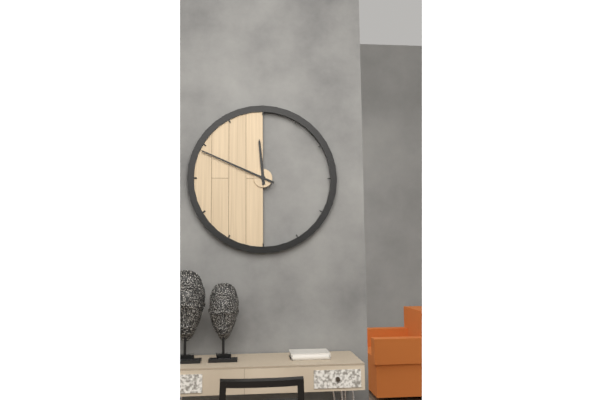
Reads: 11:49
